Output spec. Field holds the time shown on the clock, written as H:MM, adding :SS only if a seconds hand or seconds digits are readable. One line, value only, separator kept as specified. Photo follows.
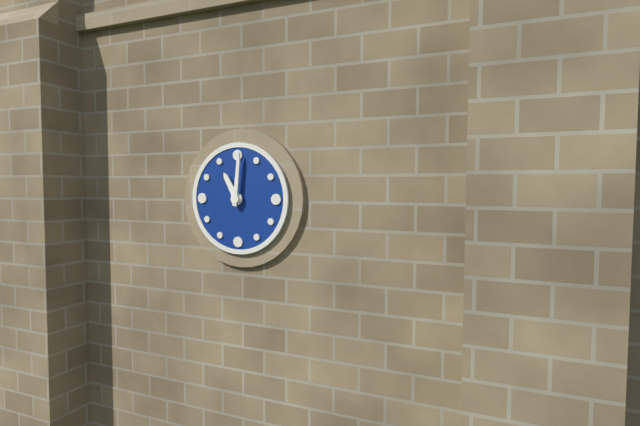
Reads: 11:01
